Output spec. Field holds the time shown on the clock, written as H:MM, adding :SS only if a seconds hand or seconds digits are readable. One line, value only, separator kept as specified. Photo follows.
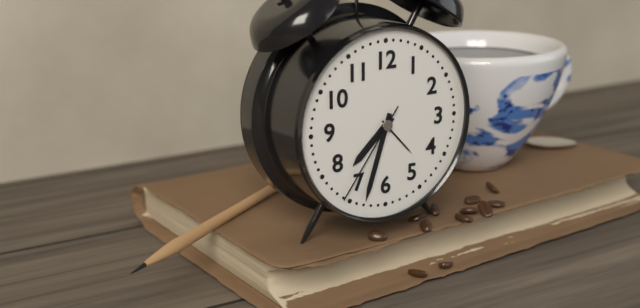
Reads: 7:33:36
